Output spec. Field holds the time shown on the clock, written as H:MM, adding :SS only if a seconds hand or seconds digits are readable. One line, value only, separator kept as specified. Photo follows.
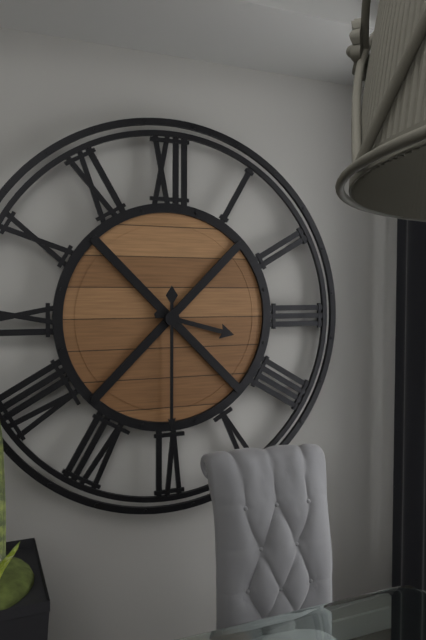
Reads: 3:30
